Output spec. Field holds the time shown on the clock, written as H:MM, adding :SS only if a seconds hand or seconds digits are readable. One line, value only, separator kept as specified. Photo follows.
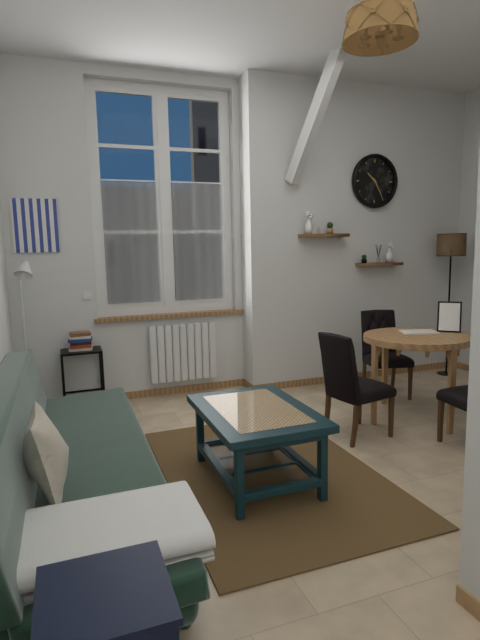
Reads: 10:25
